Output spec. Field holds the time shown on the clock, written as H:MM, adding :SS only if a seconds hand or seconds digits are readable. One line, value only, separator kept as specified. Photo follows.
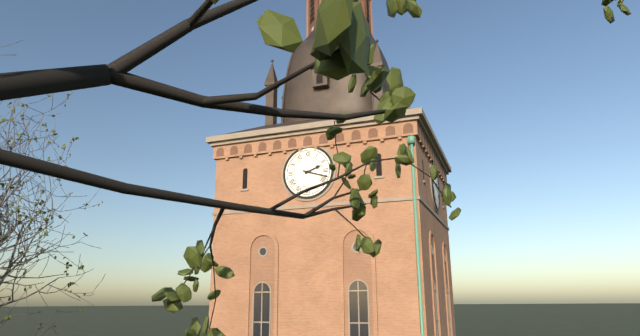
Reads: 2:18
